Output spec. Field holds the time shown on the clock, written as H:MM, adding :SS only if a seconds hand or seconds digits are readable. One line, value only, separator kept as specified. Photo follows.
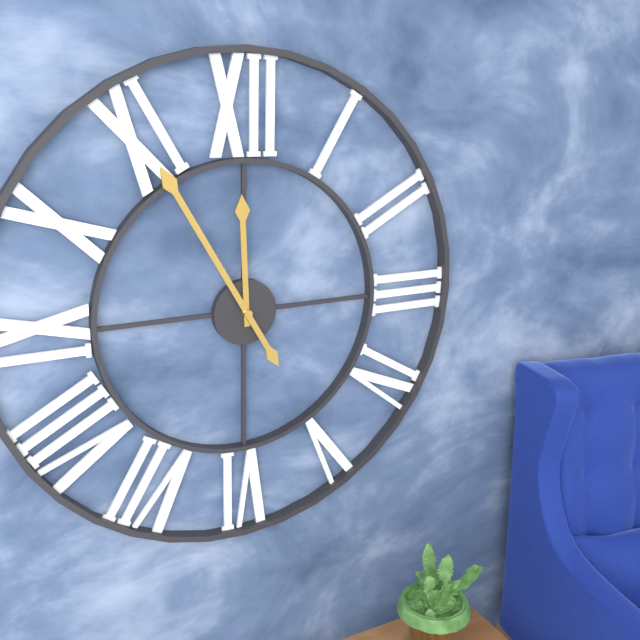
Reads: 11:55
